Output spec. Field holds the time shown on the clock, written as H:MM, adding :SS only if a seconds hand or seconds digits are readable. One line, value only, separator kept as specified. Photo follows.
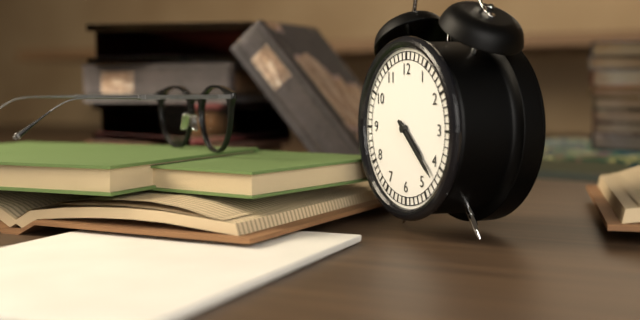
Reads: 4:22
